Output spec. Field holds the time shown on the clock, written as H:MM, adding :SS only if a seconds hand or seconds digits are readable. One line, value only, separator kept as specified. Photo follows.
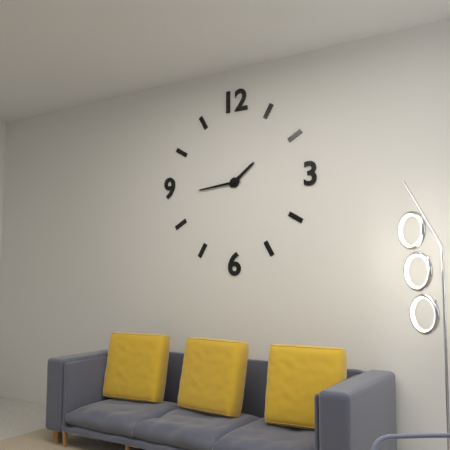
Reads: 1:44
